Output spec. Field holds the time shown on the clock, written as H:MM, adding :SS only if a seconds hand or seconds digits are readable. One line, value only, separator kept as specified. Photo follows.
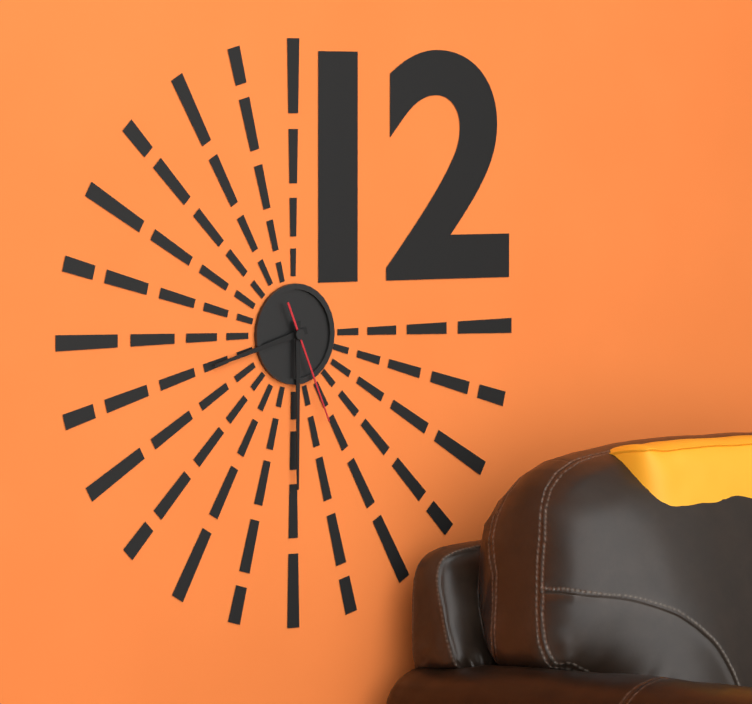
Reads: 8:30:26
